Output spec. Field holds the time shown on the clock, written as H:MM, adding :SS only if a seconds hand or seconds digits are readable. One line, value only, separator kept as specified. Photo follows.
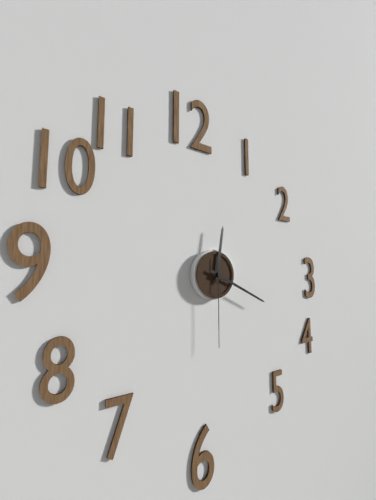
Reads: 12:19:30
